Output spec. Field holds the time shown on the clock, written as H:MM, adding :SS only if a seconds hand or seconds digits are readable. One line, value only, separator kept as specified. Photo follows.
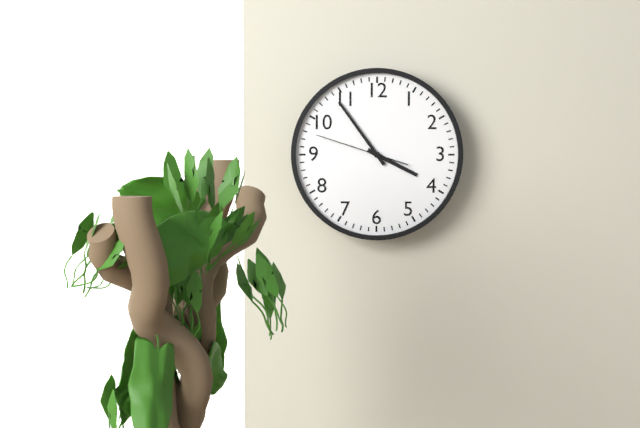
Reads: 3:54:48
